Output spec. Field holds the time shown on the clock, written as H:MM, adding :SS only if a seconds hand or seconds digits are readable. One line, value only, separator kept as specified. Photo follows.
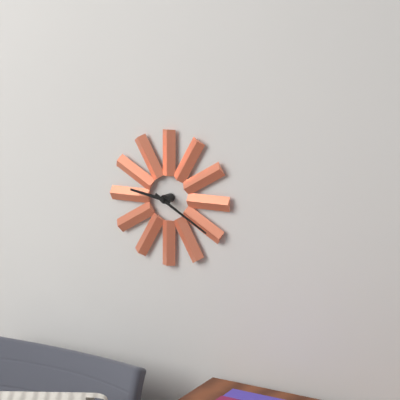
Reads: 9:20
